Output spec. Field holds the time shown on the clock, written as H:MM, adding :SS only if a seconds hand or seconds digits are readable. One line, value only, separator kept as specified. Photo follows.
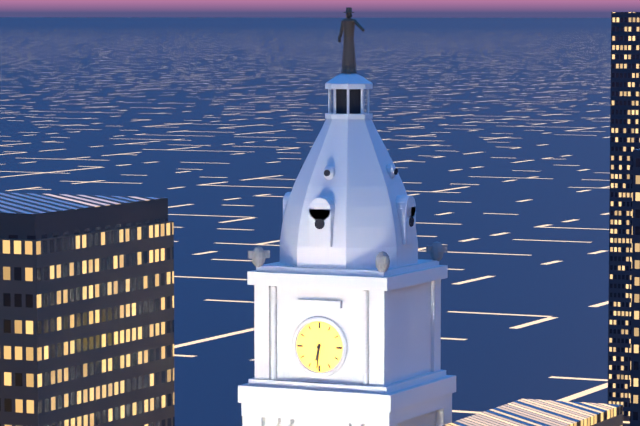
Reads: 6:31
